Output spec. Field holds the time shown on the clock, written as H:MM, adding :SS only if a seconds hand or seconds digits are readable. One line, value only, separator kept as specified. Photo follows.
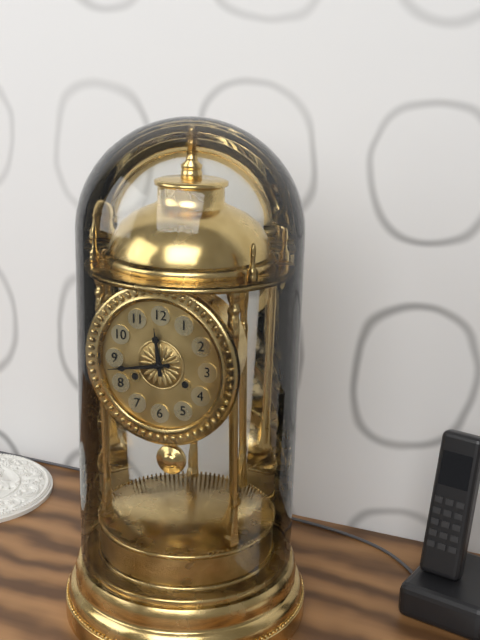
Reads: 11:43
